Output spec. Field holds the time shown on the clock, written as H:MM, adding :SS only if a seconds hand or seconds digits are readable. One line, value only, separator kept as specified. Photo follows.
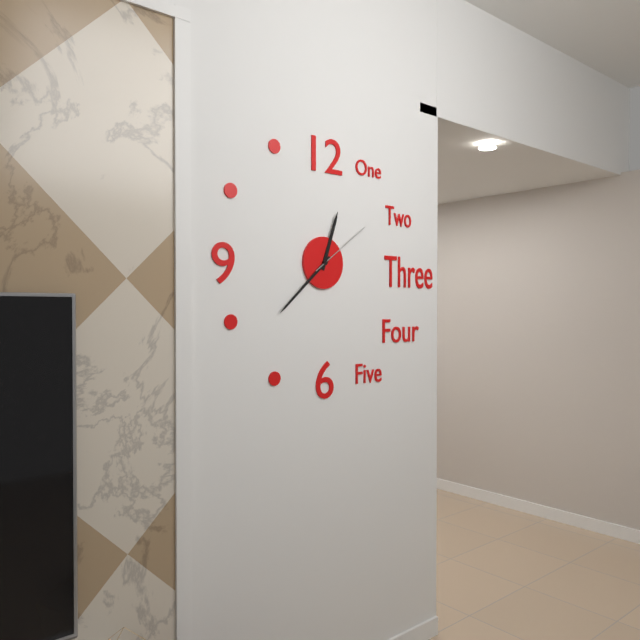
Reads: 12:38:09
